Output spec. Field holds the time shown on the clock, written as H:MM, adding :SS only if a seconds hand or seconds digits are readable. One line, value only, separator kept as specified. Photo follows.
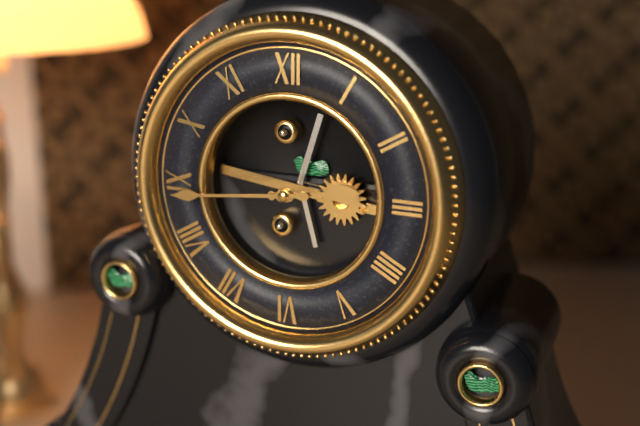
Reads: 2:44
